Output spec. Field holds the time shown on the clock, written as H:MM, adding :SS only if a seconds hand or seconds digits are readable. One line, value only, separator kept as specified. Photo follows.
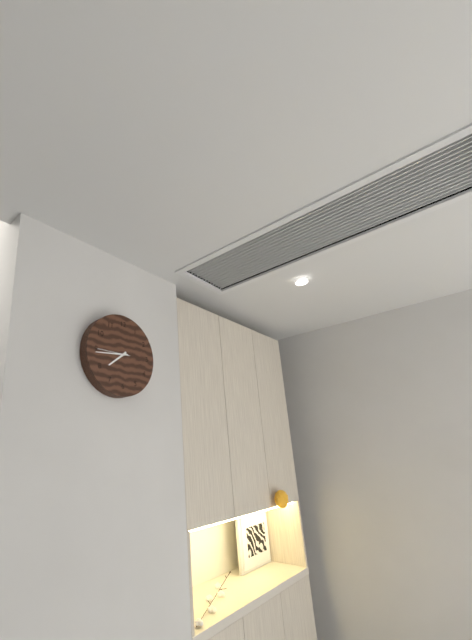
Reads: 7:44
